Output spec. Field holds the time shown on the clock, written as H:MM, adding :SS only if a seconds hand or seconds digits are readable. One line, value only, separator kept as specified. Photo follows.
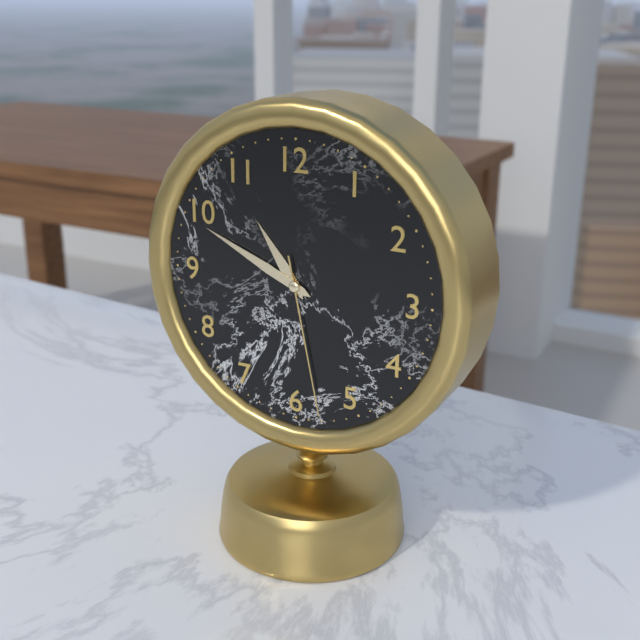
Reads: 10:49:28
